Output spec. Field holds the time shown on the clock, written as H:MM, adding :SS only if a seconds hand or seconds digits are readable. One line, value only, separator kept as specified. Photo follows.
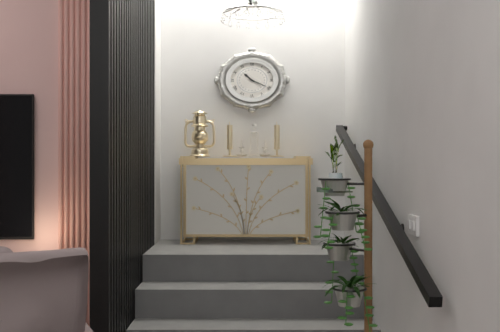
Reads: 10:19
